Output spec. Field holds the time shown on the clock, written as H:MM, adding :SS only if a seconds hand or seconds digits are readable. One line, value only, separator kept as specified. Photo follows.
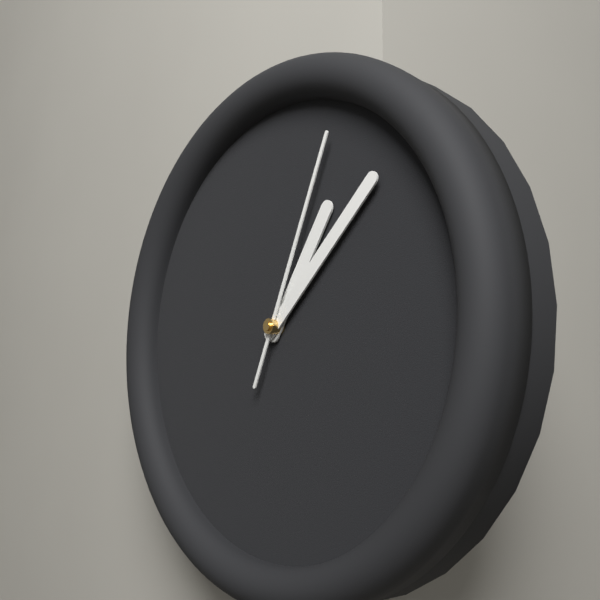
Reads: 1:08:04
